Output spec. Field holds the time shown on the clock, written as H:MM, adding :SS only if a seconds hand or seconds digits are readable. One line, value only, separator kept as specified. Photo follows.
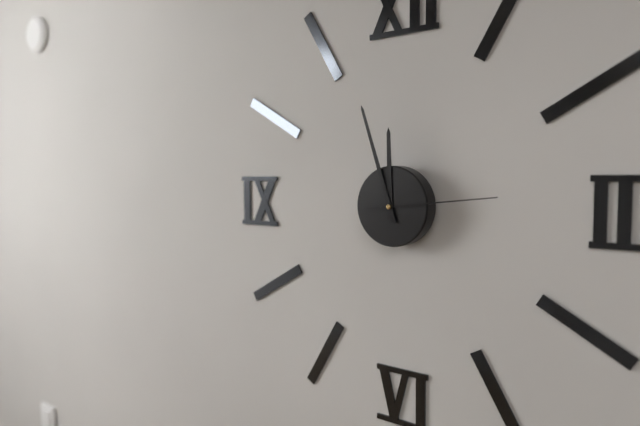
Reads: 11:57:14
